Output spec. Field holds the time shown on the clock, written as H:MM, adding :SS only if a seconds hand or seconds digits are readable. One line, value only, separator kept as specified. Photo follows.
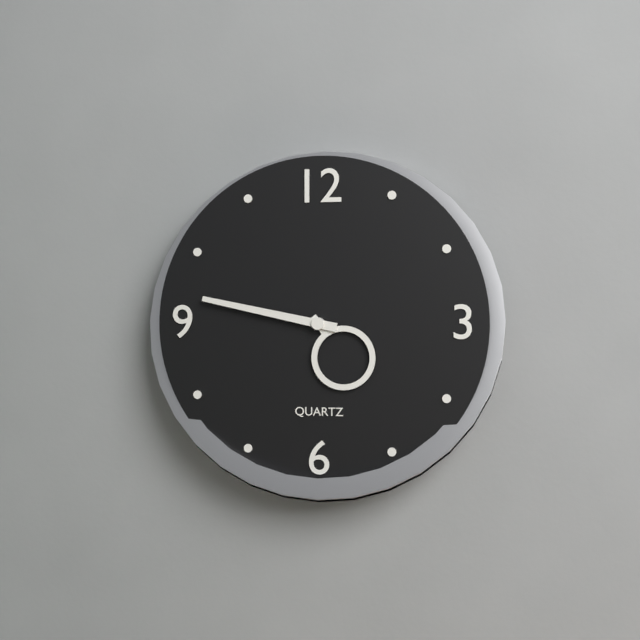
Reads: 4:47
